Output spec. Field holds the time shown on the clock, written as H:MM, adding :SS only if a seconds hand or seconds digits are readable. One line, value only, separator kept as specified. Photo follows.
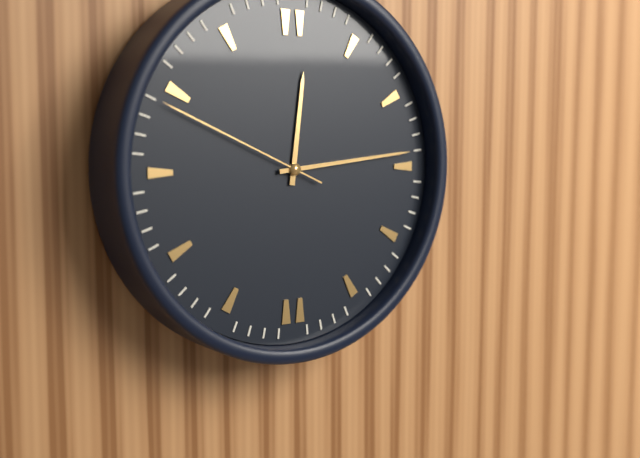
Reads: 12:14:49
